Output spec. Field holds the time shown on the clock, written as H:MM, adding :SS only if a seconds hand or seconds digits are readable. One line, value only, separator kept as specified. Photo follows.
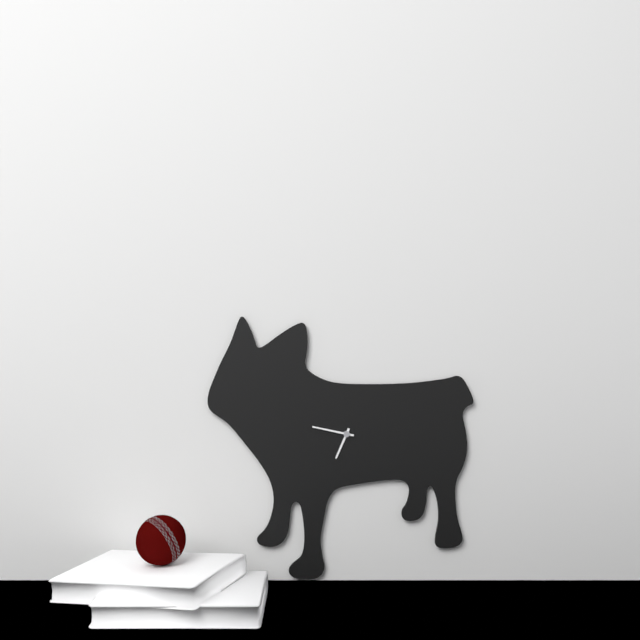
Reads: 6:47
